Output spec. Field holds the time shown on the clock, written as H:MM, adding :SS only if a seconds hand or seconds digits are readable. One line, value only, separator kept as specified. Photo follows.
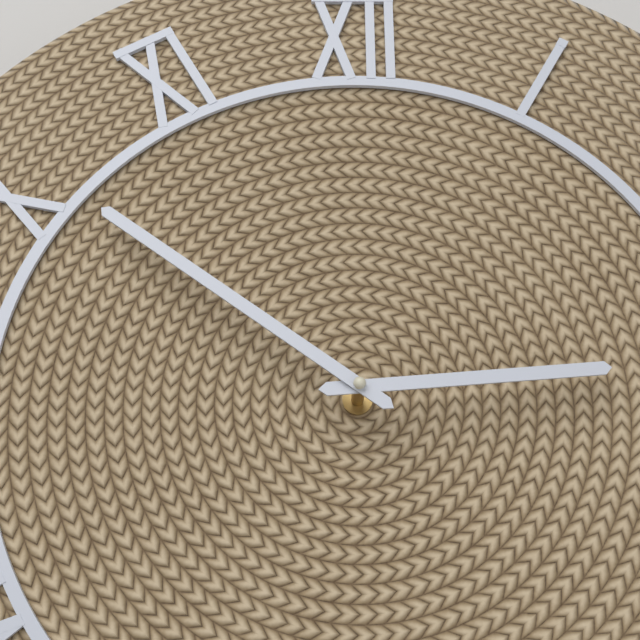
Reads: 2:51
